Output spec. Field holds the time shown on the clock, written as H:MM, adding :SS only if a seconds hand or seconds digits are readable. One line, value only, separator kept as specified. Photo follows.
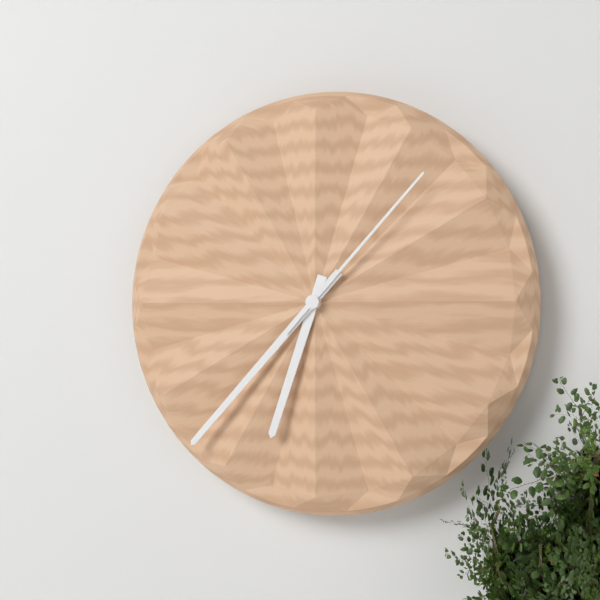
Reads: 6:37:07
